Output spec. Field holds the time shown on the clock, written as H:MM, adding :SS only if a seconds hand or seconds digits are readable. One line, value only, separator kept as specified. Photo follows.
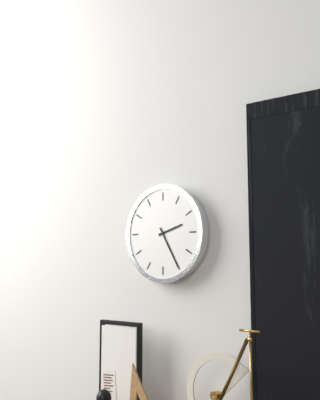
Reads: 2:25
